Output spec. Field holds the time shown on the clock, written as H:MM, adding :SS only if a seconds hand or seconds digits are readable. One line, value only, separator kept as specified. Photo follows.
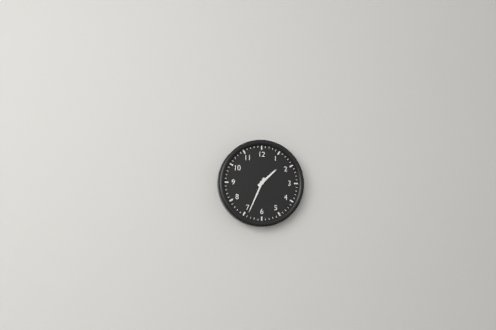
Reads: 1:34
